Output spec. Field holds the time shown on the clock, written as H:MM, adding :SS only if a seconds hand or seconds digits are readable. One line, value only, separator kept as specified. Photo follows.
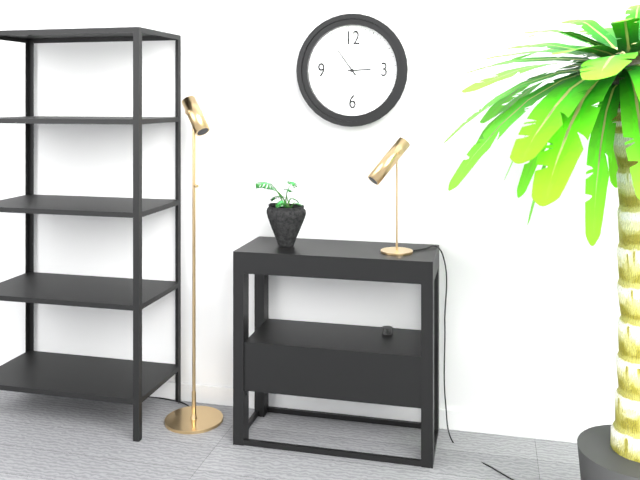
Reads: 2:54
